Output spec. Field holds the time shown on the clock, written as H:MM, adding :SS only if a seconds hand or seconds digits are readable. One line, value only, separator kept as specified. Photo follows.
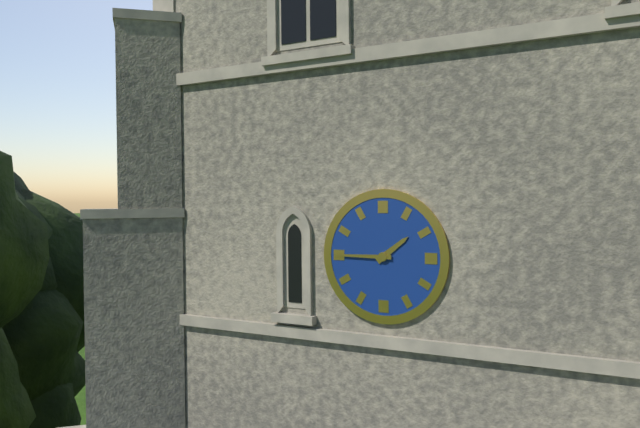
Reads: 1:45
